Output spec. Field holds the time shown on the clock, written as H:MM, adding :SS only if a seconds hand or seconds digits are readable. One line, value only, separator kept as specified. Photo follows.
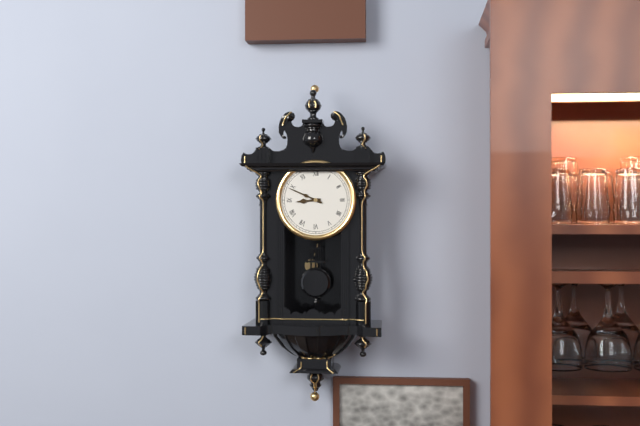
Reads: 8:49
